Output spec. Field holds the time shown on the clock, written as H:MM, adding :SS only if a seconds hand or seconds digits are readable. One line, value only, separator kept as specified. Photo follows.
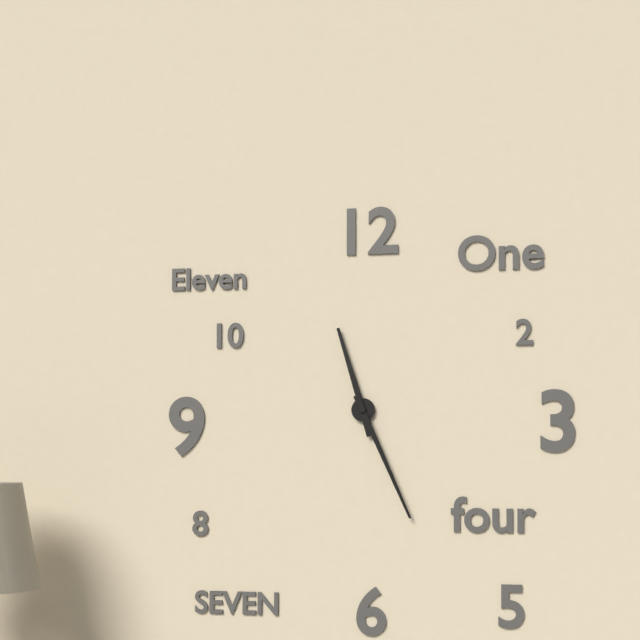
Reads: 11:26
